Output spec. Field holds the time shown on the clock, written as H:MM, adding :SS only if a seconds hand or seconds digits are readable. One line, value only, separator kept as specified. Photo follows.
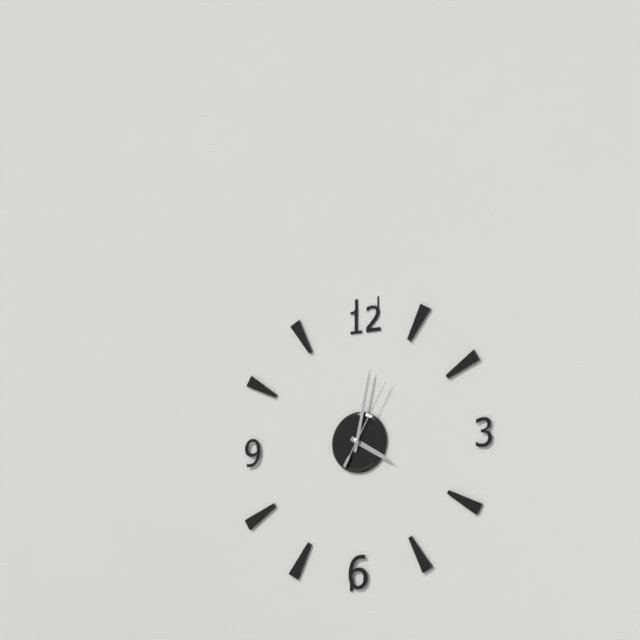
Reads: 4:02:05
